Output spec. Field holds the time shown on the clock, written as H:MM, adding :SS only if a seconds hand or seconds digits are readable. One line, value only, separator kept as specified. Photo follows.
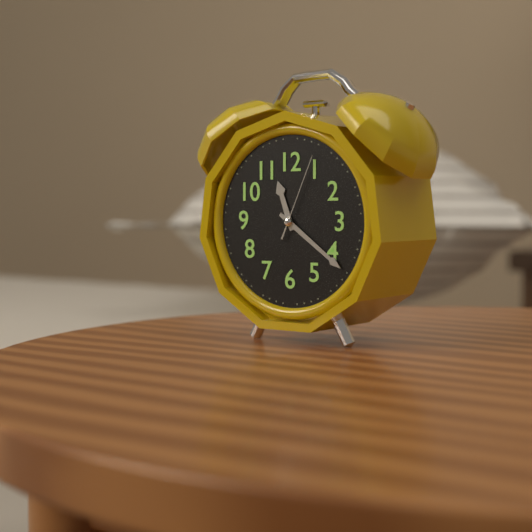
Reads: 11:21:04
